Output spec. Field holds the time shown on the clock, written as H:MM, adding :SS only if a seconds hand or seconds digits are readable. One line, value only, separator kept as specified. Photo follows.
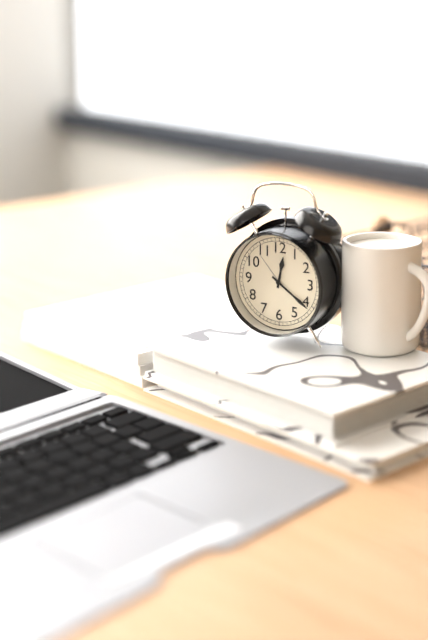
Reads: 12:21
